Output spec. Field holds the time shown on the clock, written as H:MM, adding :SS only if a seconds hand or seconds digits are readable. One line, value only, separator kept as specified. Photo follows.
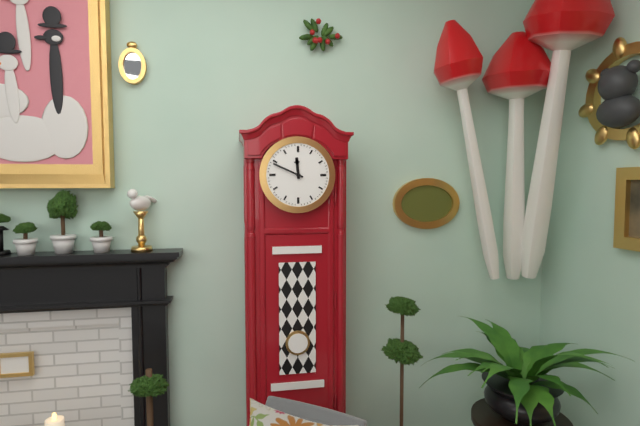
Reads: 11:49
